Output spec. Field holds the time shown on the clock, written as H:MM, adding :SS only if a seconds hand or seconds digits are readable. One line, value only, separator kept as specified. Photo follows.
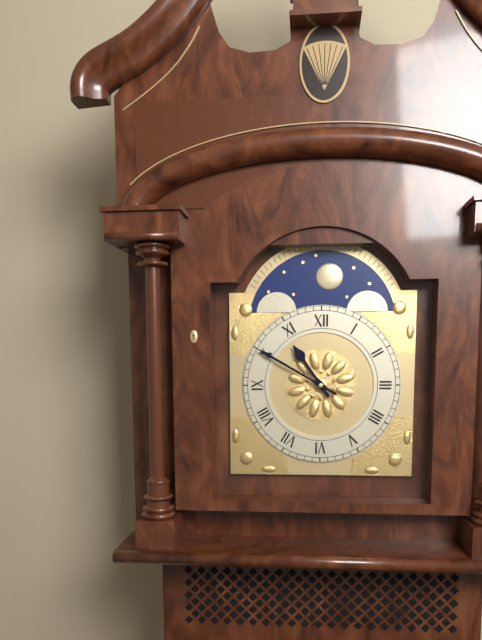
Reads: 10:50
